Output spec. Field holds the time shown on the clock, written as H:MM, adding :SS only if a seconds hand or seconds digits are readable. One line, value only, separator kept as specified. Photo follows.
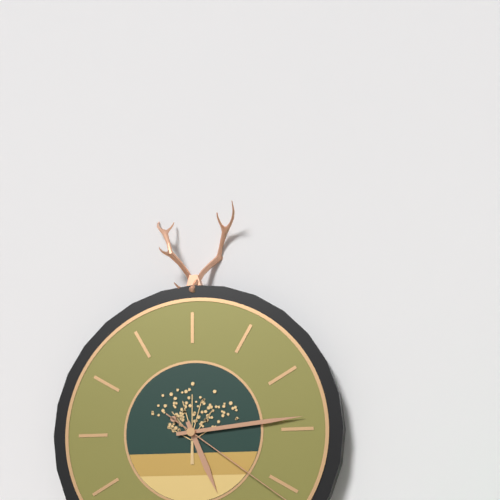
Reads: 5:14
